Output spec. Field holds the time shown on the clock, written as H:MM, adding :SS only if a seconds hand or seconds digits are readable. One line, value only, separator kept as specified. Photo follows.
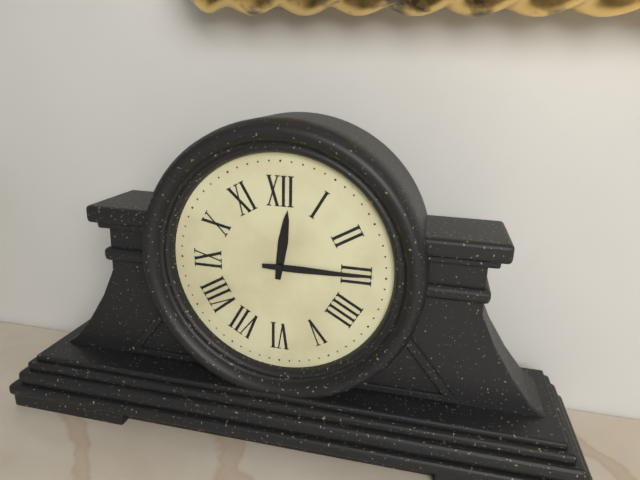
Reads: 12:15
